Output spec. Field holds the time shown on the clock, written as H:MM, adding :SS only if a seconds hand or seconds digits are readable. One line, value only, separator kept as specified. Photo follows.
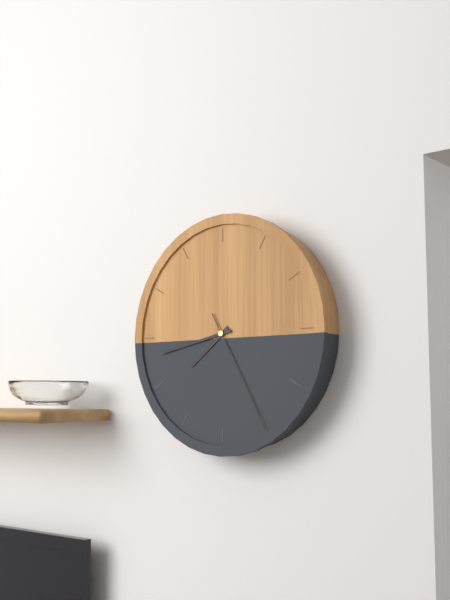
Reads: 7:43:25
